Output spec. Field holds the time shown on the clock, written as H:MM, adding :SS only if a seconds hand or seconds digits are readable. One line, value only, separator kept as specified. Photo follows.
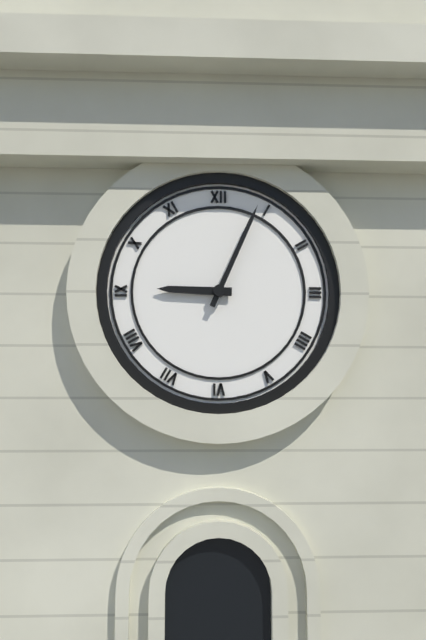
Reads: 9:04
